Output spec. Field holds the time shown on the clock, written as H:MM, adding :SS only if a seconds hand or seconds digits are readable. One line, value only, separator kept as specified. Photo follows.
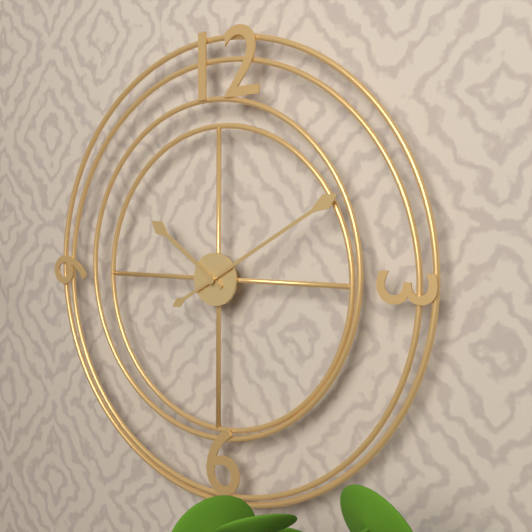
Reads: 10:10
